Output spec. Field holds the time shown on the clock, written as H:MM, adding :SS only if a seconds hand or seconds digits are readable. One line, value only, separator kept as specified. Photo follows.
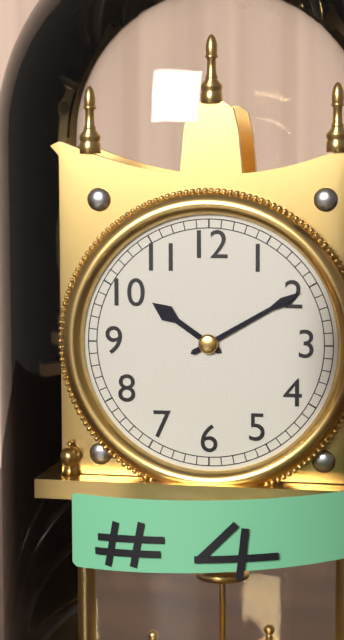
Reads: 10:10
